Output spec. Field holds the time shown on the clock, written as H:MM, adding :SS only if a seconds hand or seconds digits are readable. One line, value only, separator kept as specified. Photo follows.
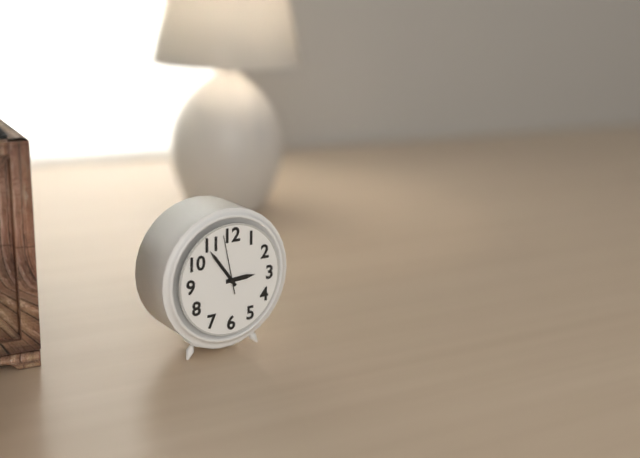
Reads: 2:54:58
